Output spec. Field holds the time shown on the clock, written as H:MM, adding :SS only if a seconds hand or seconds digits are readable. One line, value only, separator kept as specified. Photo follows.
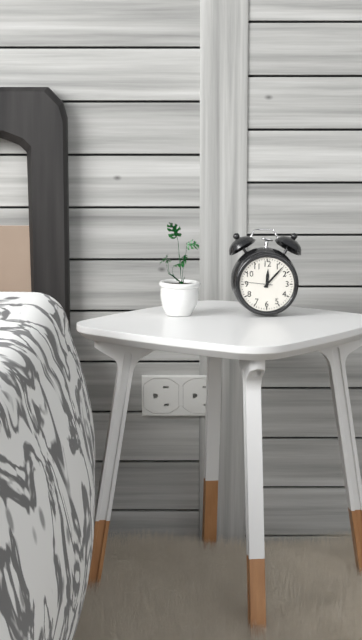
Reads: 12:07
